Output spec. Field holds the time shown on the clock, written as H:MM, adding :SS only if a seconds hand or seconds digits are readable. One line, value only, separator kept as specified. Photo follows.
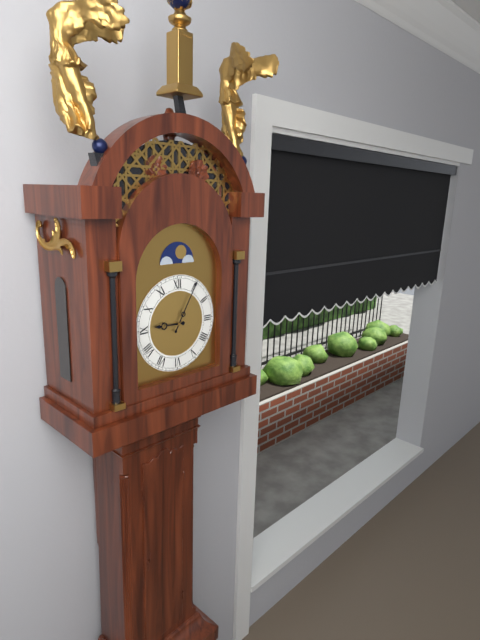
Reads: 9:05
